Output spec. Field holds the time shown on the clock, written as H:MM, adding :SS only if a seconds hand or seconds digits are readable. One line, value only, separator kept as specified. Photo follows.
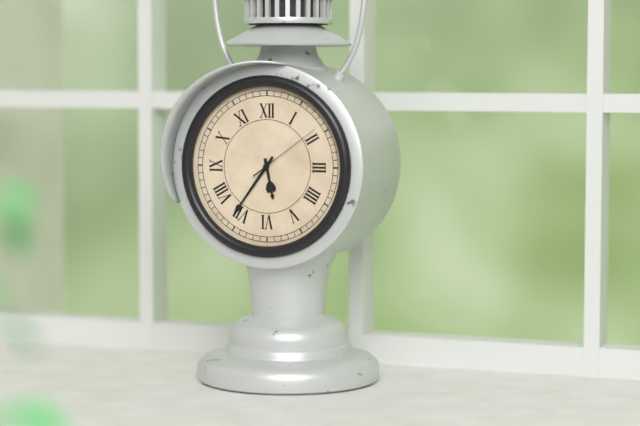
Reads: 5:36:09
